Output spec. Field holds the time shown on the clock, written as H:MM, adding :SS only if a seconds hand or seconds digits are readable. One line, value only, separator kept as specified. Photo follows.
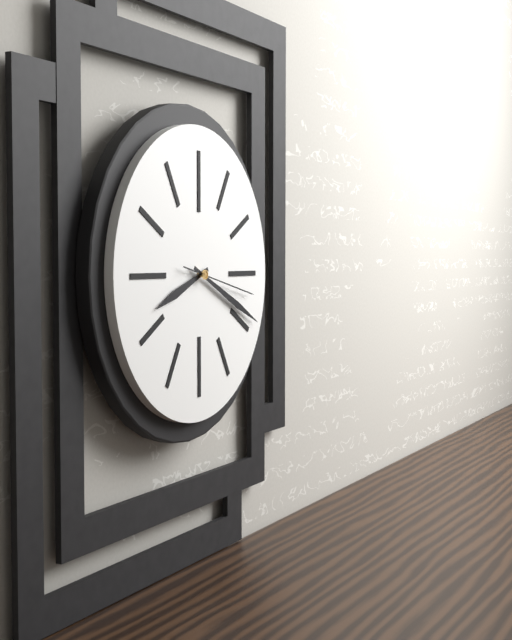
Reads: 8:19:17
